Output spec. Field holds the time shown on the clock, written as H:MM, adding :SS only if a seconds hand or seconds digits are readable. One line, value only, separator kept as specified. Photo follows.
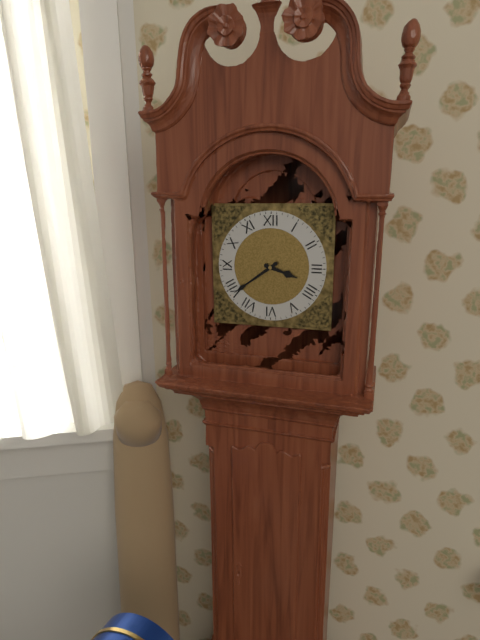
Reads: 3:39
